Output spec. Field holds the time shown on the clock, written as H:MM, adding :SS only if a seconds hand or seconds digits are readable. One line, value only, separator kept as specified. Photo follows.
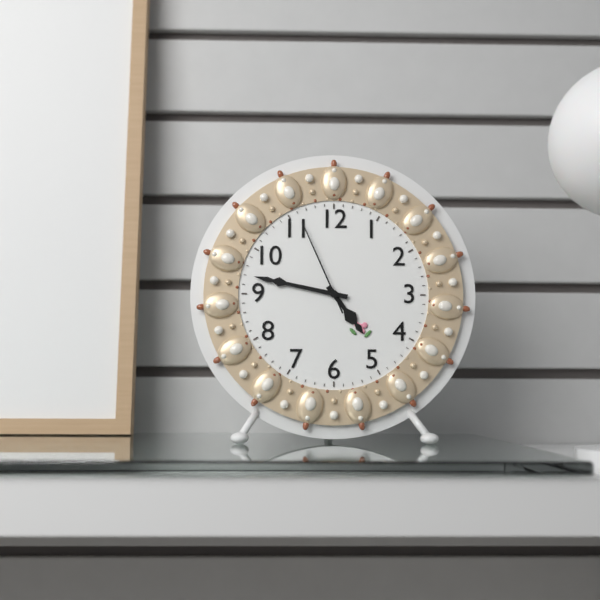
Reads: 4:47:56
